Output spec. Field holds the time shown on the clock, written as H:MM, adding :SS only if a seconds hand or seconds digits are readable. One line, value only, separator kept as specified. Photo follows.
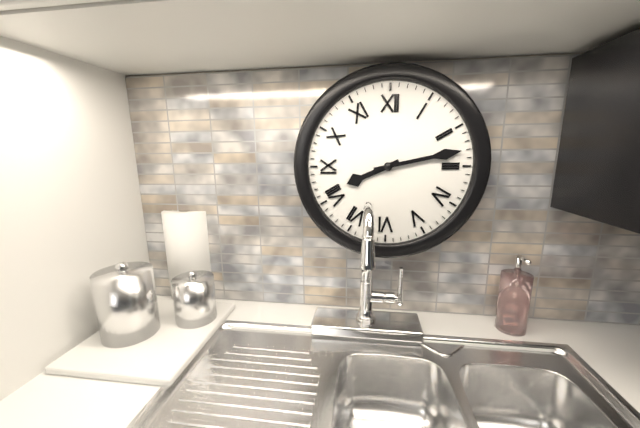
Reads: 8:13
